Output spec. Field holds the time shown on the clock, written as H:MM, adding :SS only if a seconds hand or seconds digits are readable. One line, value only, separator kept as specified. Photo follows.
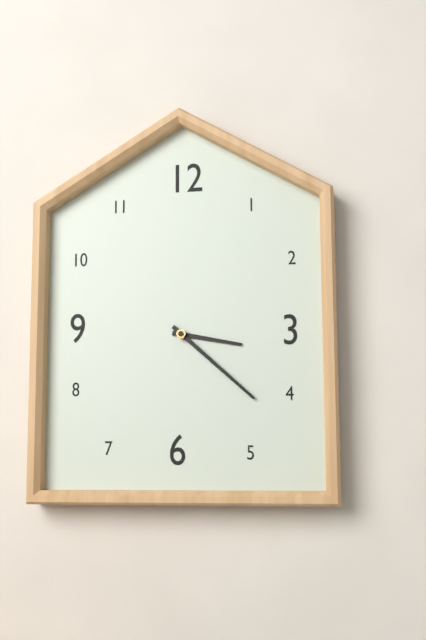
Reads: 3:22
